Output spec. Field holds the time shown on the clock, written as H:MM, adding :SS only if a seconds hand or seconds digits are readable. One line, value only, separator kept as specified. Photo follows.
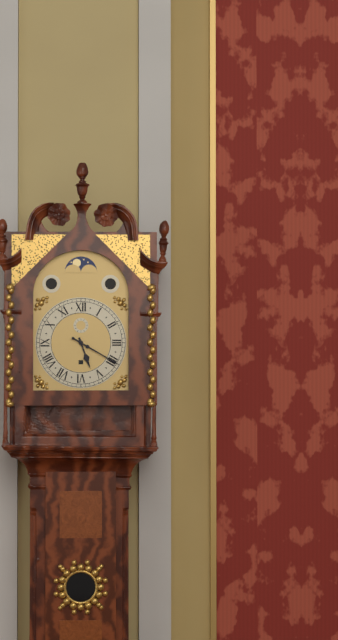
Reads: 5:20
